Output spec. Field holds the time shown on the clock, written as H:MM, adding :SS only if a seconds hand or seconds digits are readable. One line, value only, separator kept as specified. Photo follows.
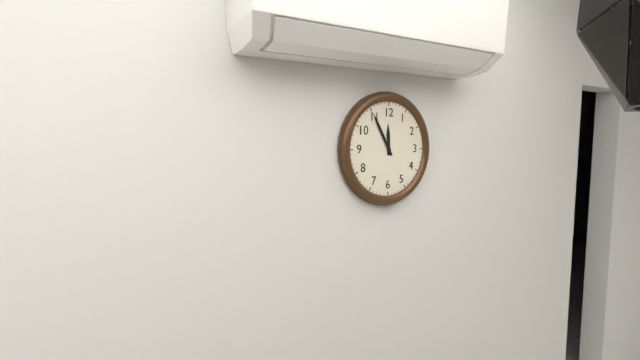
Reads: 11:55
